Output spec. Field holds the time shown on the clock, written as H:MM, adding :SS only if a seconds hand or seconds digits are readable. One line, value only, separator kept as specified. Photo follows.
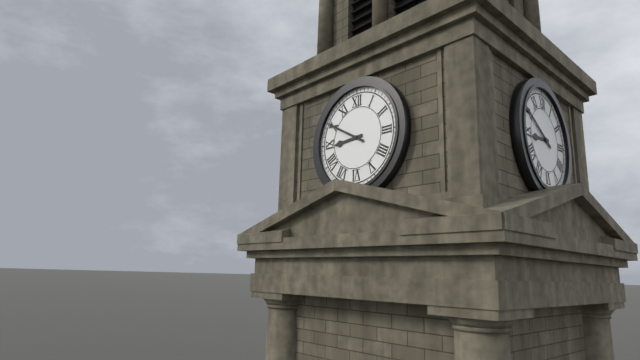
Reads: 8:50
